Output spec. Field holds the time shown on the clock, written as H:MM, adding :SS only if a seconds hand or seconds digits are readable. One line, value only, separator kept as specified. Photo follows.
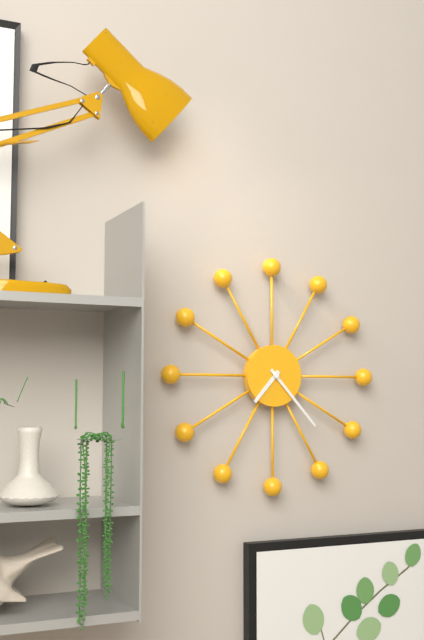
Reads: 7:23
